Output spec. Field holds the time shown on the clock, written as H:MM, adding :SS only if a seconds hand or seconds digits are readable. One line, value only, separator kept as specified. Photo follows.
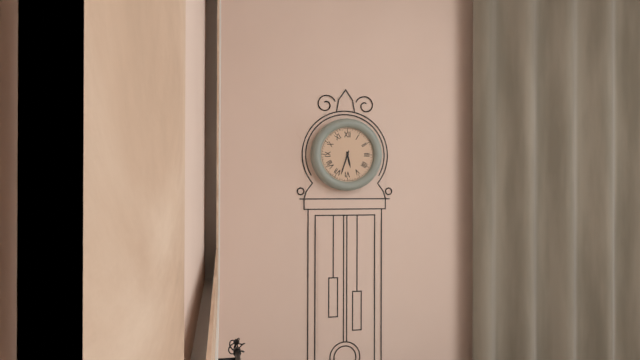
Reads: 5:33
